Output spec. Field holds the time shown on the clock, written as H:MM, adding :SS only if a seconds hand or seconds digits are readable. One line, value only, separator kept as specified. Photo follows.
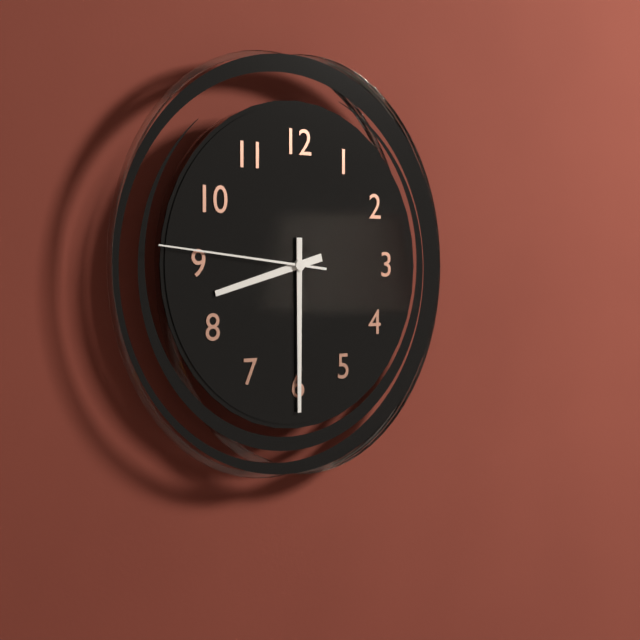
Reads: 8:30:46
